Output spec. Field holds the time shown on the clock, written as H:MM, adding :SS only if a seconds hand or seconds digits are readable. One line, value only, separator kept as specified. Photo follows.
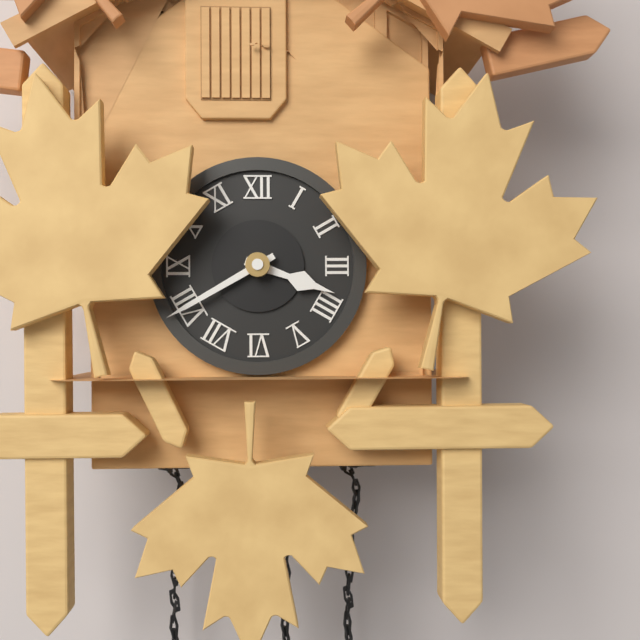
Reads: 3:40
